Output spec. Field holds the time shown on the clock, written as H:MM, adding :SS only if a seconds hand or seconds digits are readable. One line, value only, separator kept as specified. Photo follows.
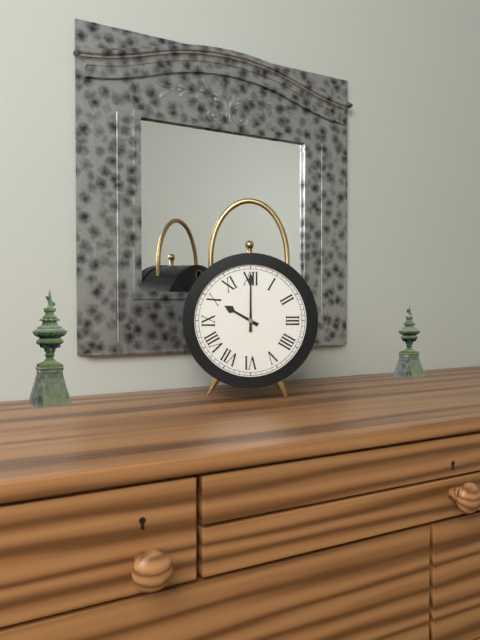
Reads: 10:00
